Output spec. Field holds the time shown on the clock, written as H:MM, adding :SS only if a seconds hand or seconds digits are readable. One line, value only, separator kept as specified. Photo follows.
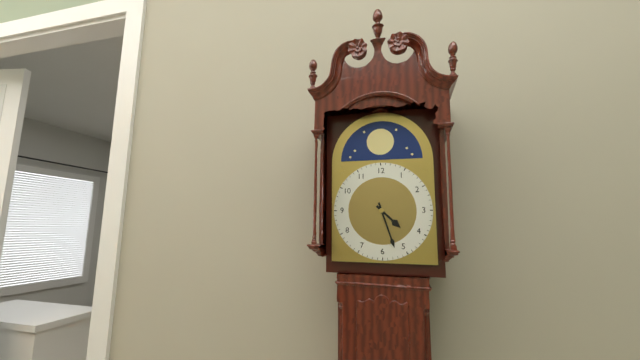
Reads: 4:27
